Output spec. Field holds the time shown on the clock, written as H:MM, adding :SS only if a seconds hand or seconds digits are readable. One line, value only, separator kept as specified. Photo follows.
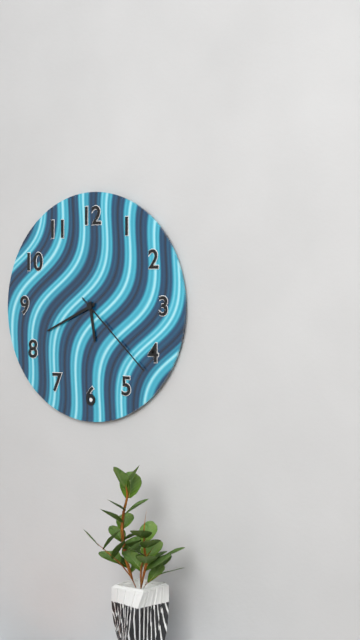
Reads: 5:41:22
